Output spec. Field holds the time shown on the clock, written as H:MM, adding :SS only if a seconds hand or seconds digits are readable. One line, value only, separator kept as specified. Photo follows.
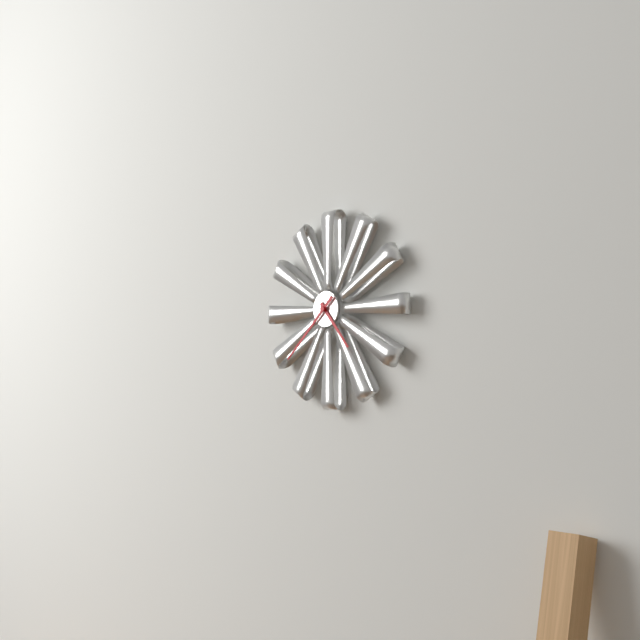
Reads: 4:38
